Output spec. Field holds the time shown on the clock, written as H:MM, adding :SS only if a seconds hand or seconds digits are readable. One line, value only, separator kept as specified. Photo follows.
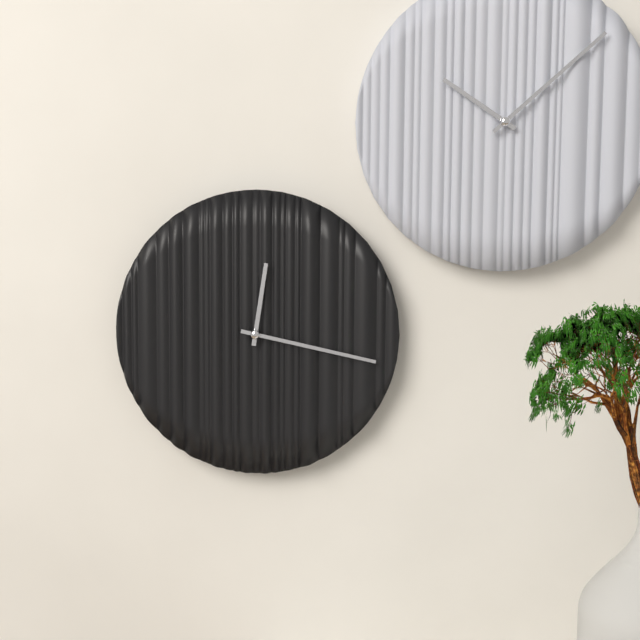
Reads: 12:17
